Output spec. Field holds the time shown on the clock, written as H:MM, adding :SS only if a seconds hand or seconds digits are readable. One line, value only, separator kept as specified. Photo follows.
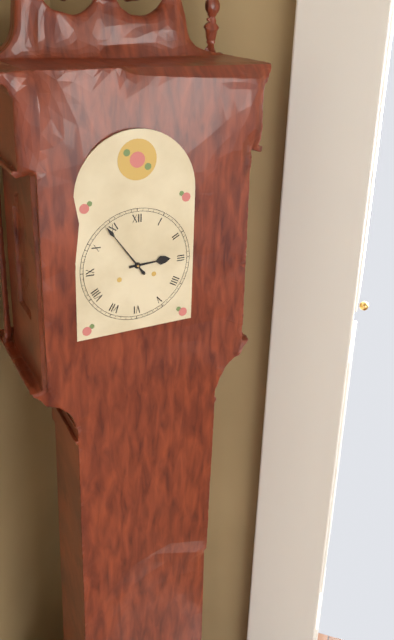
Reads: 2:54
